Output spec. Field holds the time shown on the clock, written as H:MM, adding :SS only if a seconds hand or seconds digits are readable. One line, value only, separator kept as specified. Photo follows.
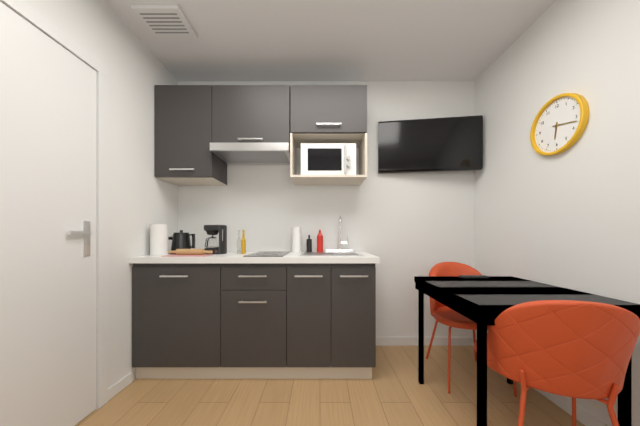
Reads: 6:17
